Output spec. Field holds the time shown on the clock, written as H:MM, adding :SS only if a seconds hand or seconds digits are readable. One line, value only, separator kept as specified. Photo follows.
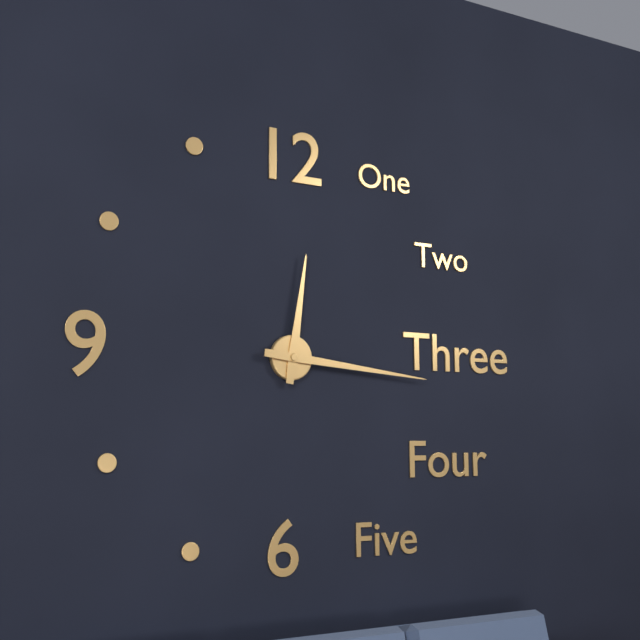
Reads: 12:16
